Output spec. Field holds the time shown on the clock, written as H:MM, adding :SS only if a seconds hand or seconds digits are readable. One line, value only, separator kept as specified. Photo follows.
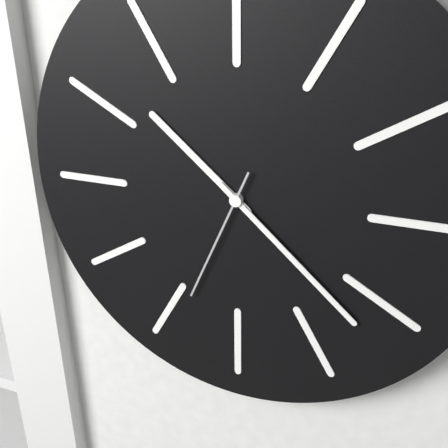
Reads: 10:22:34
